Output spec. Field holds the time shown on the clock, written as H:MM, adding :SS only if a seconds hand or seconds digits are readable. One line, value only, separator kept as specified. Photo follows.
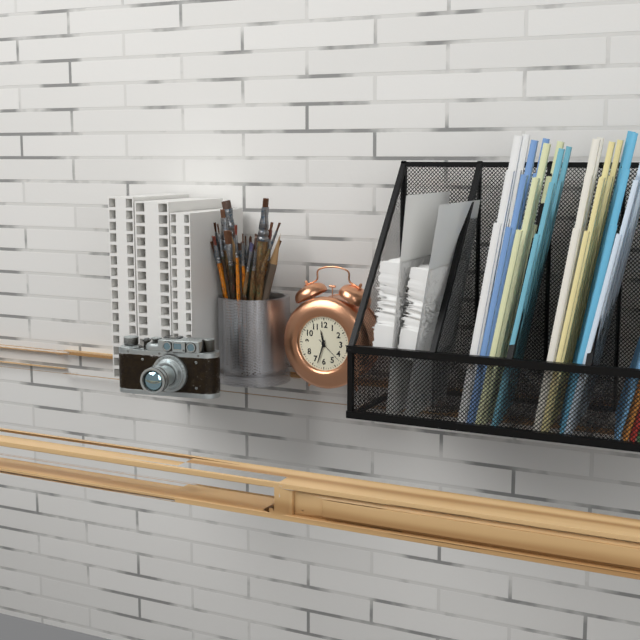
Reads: 11:33
